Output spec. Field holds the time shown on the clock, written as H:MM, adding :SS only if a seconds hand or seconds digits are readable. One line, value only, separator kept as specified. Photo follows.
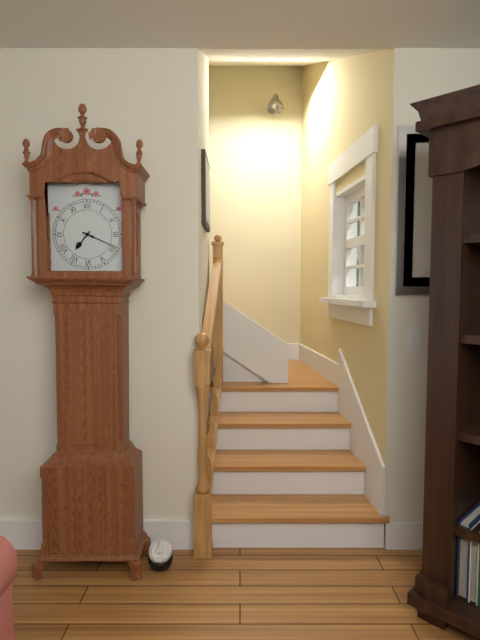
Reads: 7:19
